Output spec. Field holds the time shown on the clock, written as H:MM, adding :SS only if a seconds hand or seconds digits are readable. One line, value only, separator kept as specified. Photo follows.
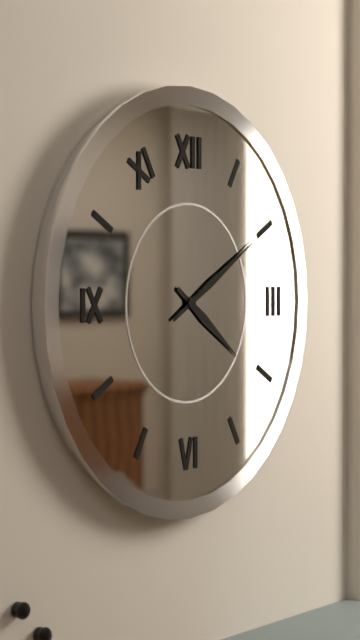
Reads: 4:10
